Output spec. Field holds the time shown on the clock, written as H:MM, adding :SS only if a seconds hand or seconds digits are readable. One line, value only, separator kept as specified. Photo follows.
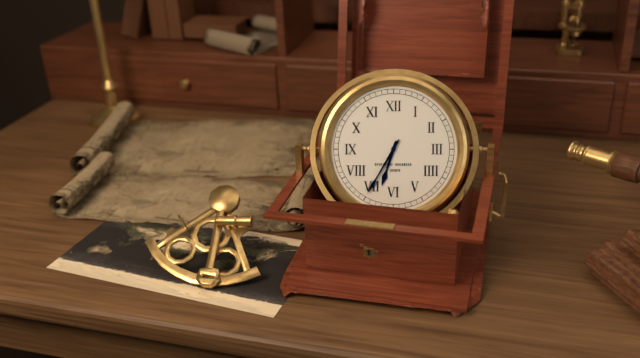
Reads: 6:35
